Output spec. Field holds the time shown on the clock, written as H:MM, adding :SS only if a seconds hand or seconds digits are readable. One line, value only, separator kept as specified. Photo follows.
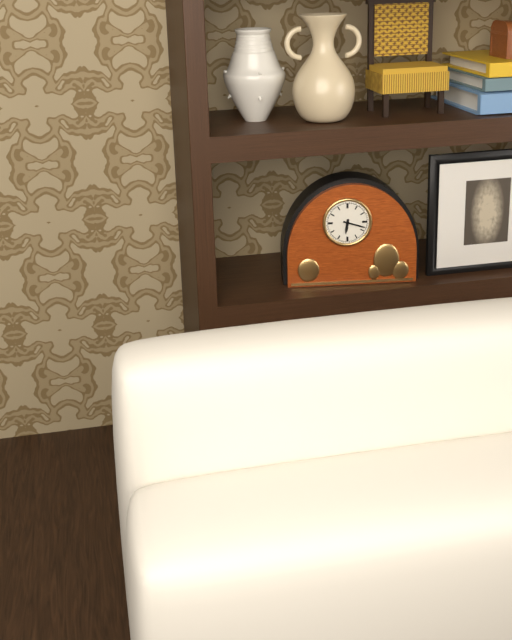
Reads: 6:18
